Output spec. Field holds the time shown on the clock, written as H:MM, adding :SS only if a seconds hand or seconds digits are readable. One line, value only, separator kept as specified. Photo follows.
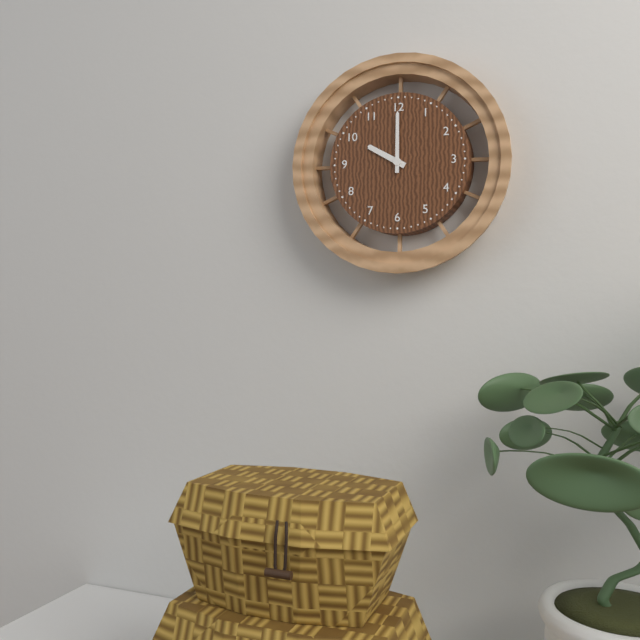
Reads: 10:00
